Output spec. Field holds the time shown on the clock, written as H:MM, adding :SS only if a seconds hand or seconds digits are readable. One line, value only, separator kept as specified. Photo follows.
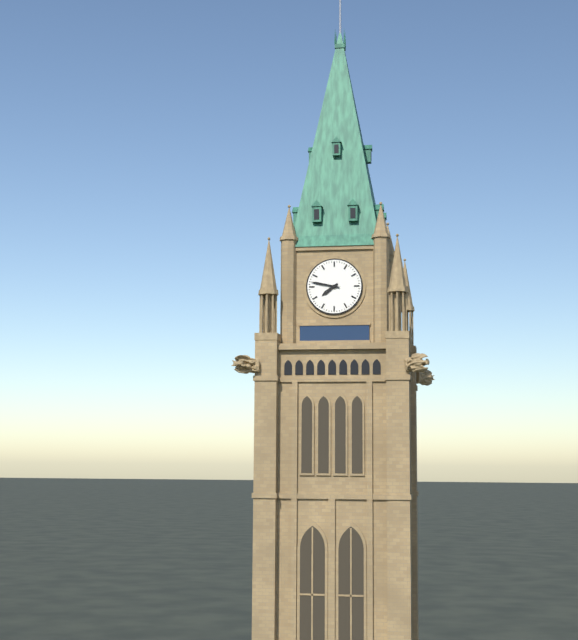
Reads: 7:47
